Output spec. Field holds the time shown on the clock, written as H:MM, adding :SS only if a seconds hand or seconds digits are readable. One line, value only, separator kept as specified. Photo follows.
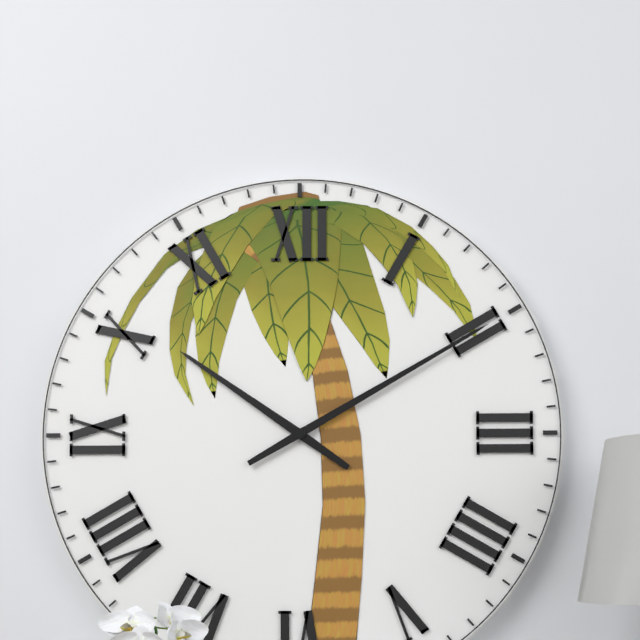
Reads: 10:10
